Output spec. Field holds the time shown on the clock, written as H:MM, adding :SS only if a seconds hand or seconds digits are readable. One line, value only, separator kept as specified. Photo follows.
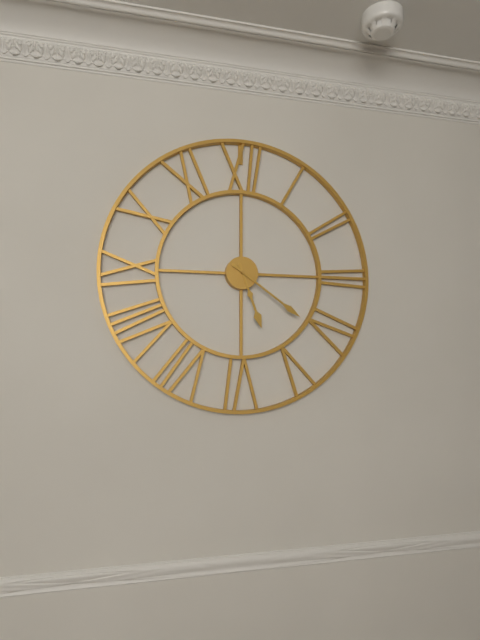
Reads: 5:21
